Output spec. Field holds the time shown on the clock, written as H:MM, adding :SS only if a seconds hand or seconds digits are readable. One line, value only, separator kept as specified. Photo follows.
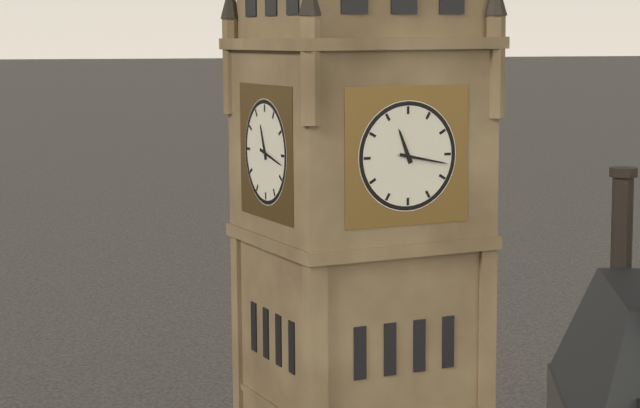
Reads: 11:17
